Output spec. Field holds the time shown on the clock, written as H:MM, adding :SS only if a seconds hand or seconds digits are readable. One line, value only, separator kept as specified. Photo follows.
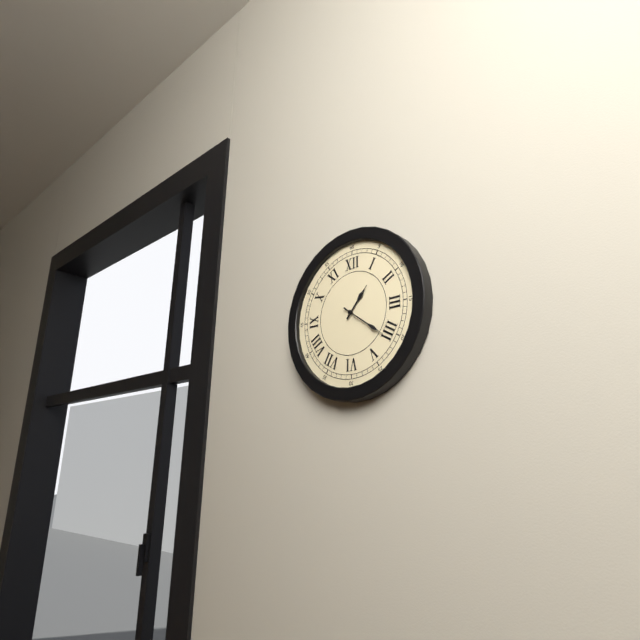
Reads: 1:21
